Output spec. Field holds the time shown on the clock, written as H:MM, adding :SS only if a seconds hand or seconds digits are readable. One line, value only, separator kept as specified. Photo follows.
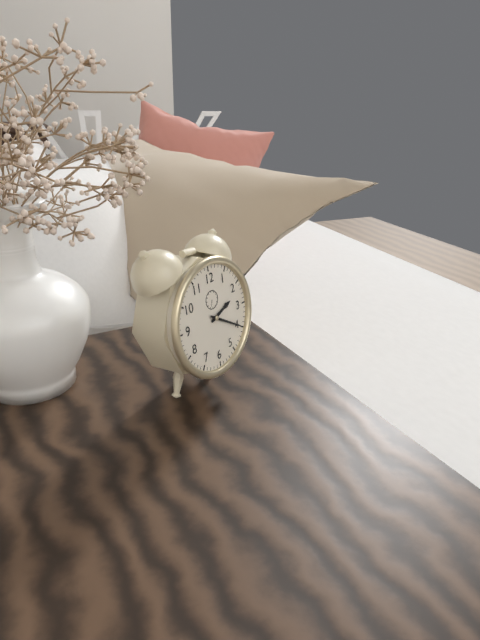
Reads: 2:20
